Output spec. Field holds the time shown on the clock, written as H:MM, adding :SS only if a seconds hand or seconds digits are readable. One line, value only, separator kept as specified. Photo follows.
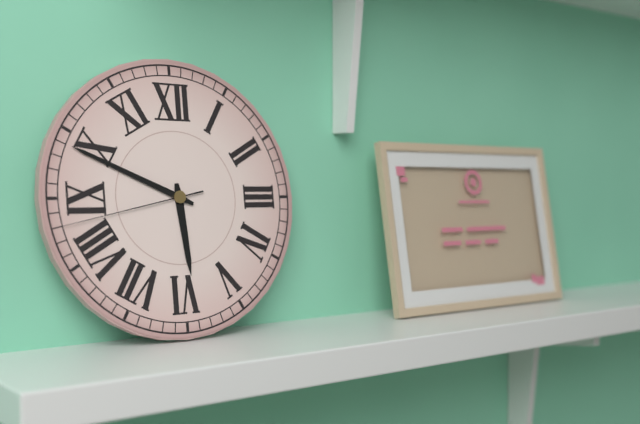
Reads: 5:49:43
